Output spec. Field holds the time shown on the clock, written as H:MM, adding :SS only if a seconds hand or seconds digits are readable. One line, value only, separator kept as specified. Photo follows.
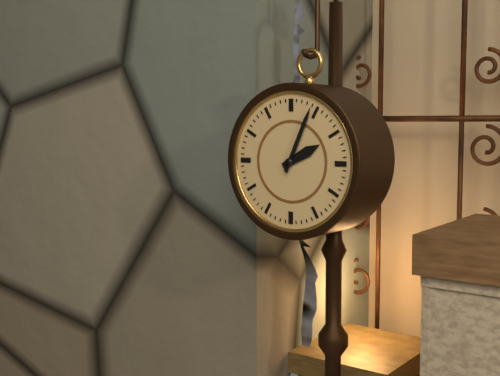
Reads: 2:04
